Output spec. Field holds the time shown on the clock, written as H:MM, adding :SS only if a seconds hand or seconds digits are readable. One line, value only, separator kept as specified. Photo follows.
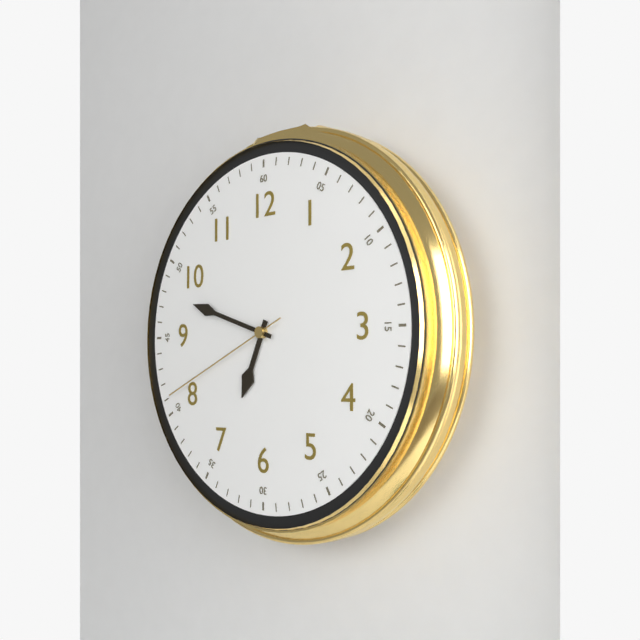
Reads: 6:48:41
